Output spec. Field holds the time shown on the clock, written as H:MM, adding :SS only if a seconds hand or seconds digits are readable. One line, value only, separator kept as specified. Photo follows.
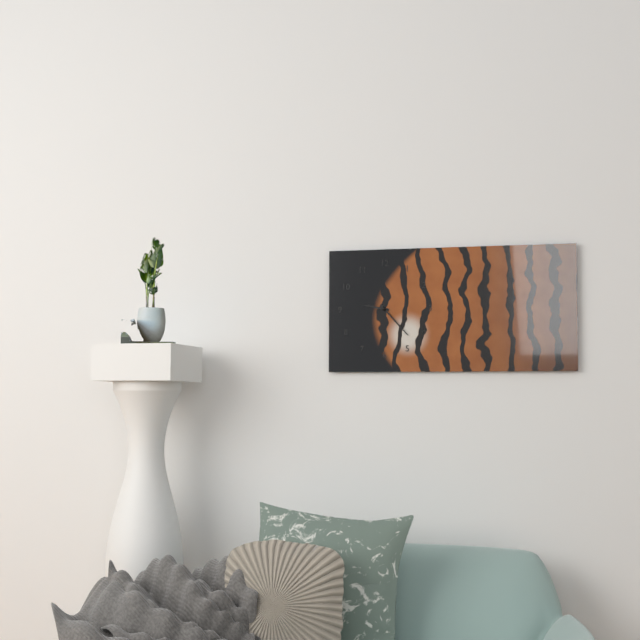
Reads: 9:23
